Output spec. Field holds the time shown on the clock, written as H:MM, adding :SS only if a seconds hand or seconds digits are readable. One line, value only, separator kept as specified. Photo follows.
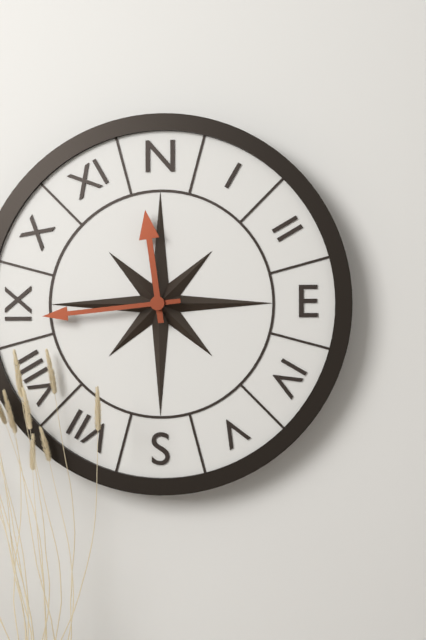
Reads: 11:44
